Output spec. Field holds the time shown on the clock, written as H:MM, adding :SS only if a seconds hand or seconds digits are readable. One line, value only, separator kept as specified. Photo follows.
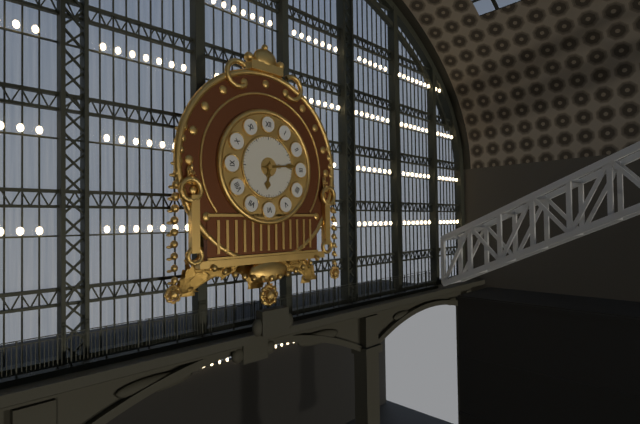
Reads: 6:14
